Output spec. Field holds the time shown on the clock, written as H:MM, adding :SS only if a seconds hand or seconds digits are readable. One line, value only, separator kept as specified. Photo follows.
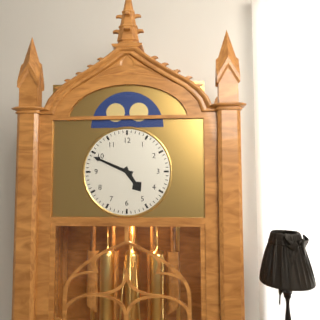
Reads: 4:49
